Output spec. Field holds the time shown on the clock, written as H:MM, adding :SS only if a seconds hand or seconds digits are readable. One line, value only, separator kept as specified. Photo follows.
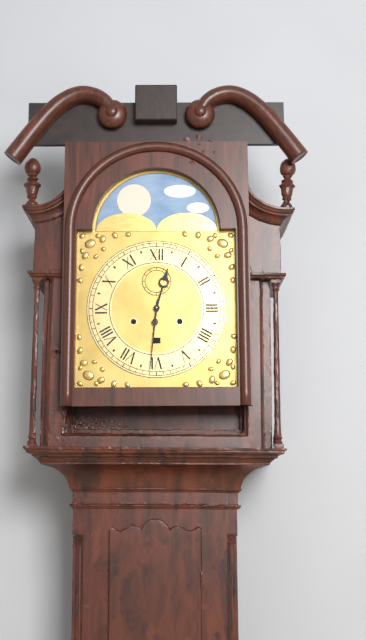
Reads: 12:31
